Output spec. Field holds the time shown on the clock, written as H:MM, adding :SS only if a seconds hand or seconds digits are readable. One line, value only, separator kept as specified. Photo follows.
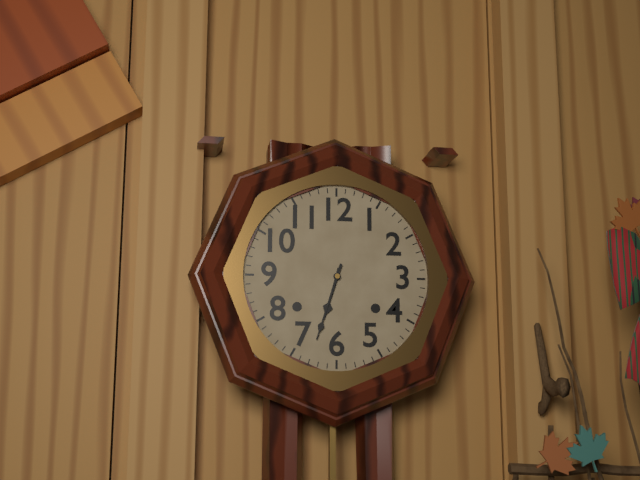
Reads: 6:33
